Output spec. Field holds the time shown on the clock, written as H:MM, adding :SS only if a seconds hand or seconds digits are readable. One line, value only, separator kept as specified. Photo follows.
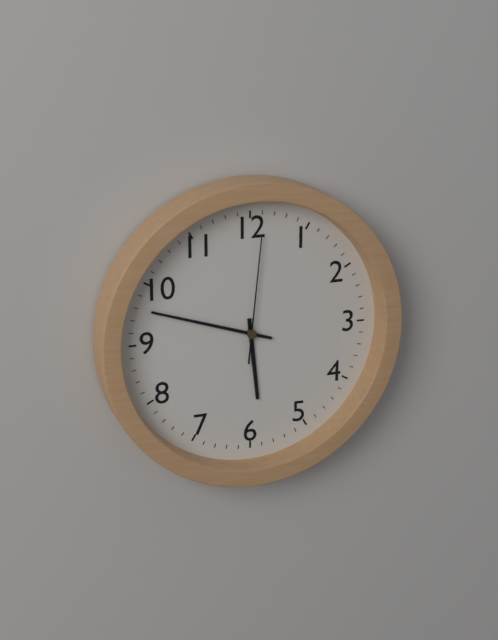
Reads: 5:48:01
